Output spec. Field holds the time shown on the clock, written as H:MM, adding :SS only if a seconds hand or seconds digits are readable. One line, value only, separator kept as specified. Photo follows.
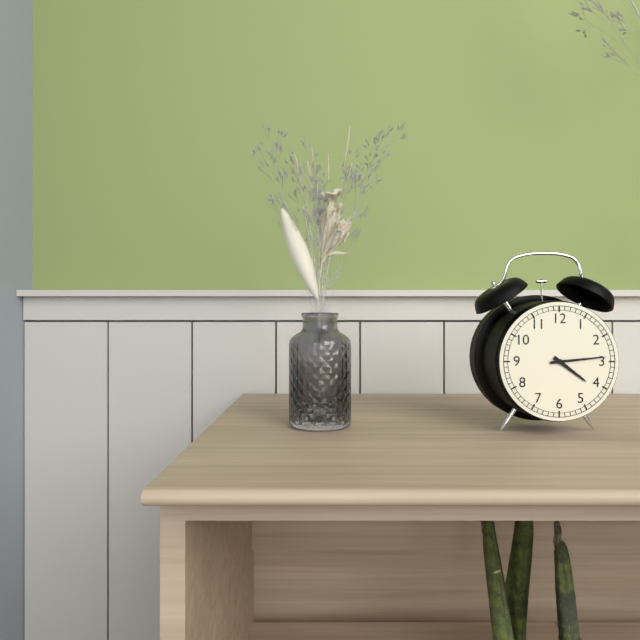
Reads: 4:14
